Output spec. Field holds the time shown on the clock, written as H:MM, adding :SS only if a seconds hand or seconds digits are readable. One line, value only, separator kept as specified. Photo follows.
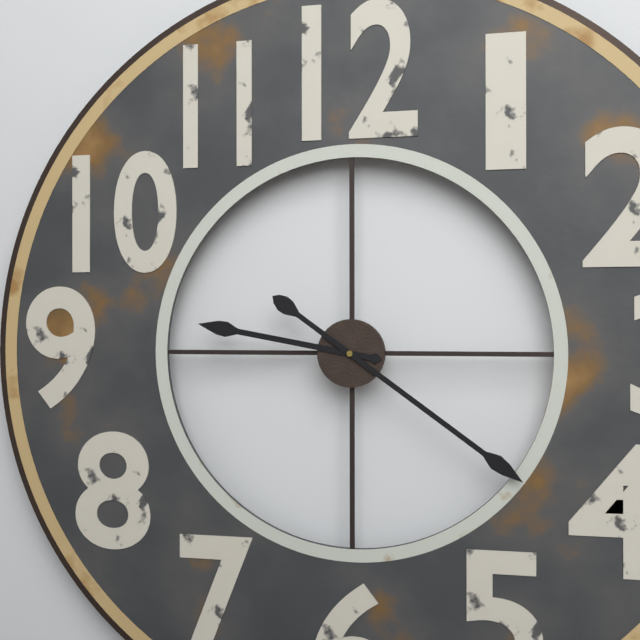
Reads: 9:21
